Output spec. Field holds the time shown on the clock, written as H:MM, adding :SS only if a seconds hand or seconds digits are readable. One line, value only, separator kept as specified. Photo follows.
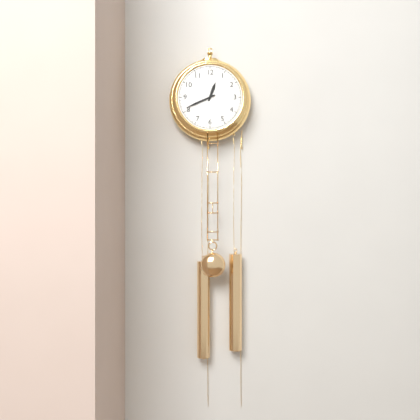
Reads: 12:41
